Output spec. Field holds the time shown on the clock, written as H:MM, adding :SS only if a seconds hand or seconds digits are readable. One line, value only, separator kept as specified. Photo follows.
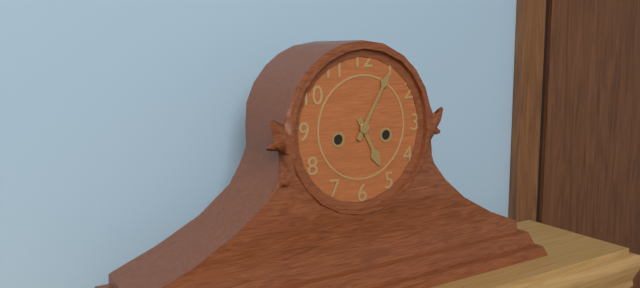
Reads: 5:05
